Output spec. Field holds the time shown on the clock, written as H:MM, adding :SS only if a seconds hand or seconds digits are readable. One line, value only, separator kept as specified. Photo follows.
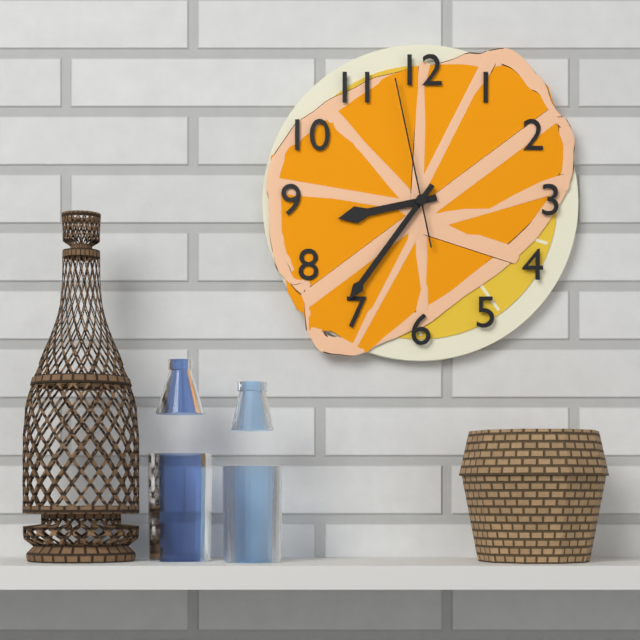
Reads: 8:36:58
